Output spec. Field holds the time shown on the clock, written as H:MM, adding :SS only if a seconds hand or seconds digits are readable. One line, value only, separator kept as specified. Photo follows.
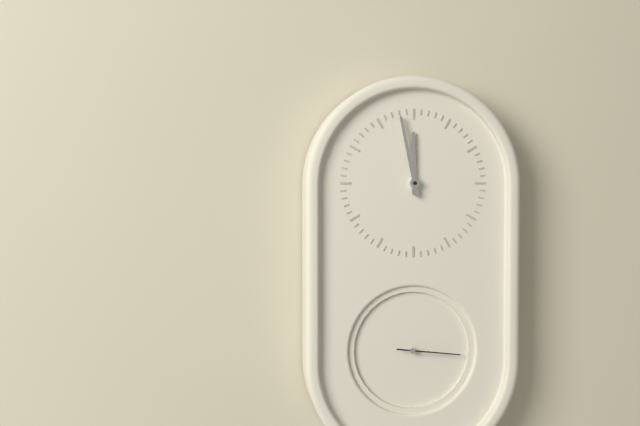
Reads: 11:58:16
